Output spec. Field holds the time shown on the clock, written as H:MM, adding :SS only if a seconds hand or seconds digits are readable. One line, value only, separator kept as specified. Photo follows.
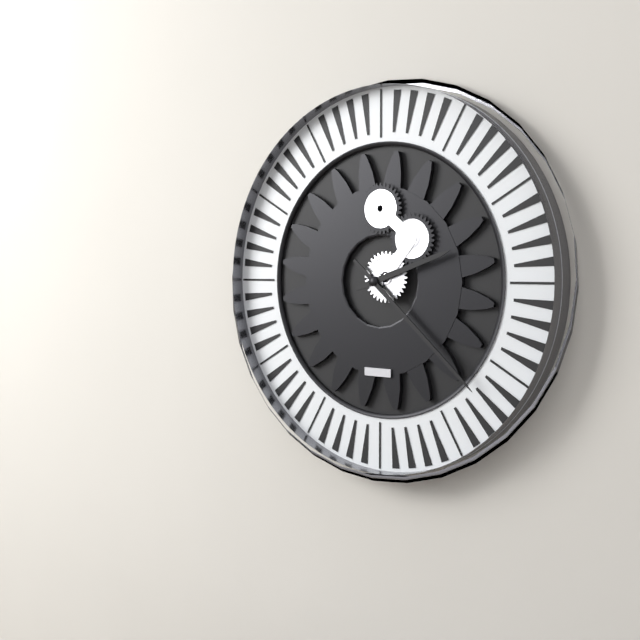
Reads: 2:22
